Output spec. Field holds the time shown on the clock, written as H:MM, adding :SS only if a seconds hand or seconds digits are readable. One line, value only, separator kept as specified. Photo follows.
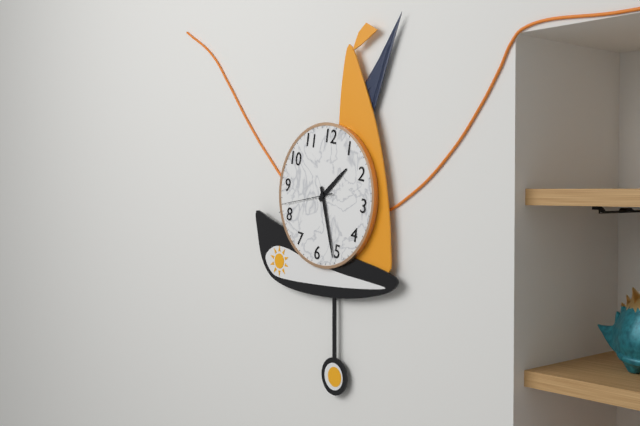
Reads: 1:26:42
